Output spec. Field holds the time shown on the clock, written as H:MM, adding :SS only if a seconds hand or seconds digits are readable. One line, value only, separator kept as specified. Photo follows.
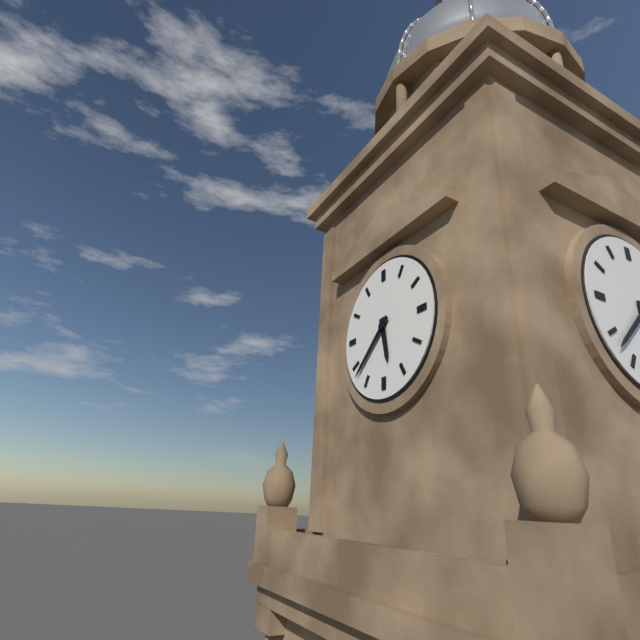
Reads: 5:38
